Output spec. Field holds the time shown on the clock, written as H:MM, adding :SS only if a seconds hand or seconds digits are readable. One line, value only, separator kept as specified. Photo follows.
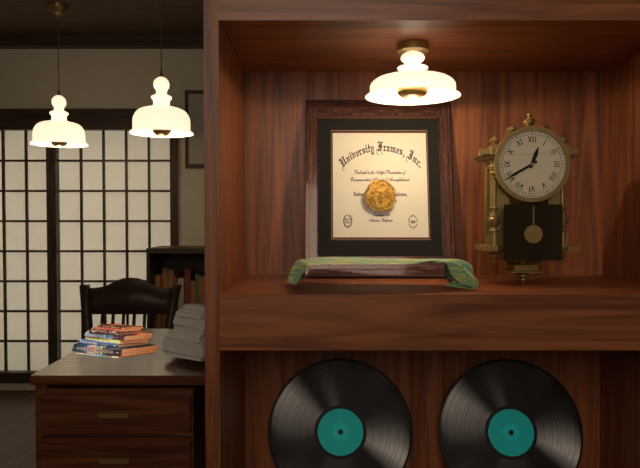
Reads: 12:40
